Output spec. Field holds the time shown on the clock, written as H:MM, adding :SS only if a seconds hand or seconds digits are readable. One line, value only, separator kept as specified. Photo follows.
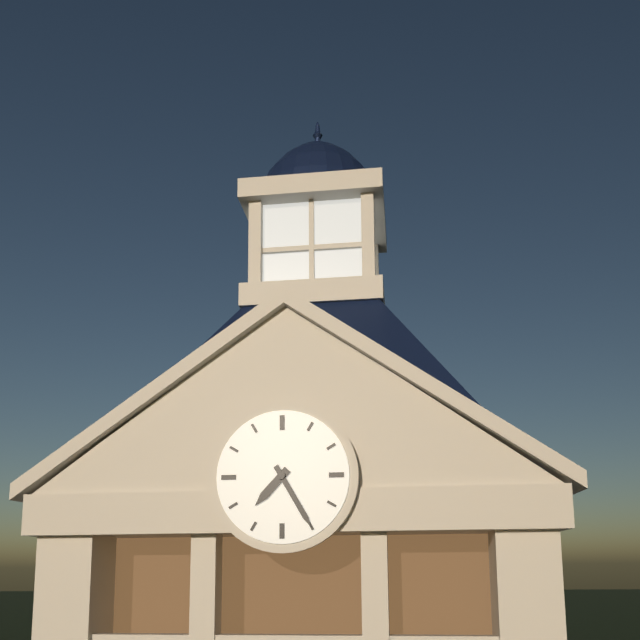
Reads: 7:25
